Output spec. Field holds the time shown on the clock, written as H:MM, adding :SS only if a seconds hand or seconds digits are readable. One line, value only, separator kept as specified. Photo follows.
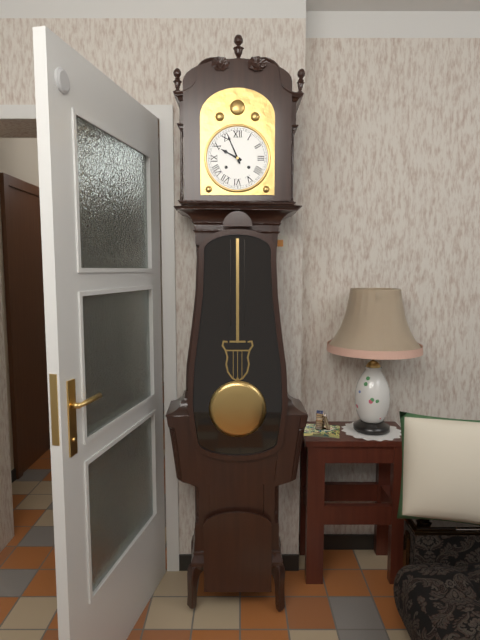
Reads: 9:56
